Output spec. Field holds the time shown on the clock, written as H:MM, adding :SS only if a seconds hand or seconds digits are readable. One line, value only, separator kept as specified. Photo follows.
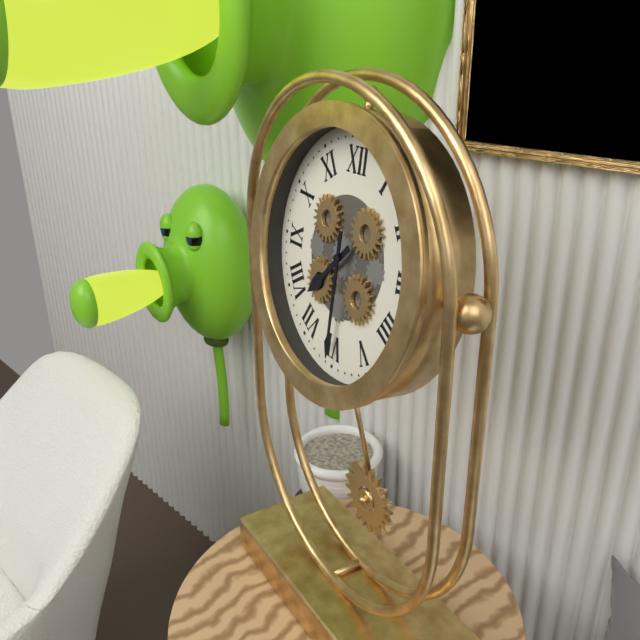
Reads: 7:30
